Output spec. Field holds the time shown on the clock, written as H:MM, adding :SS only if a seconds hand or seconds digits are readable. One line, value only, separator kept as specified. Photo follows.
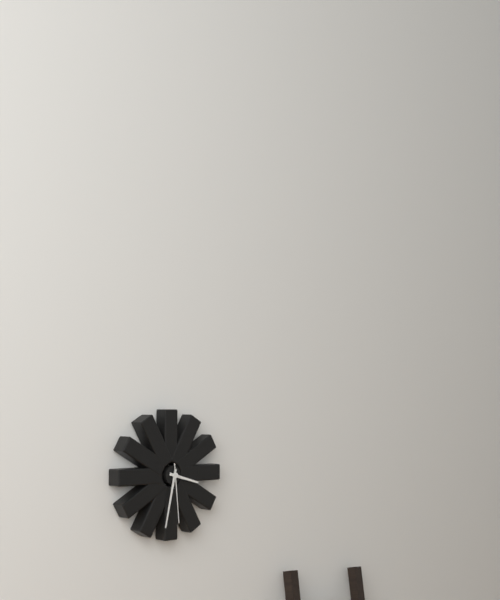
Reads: 3:32:29
